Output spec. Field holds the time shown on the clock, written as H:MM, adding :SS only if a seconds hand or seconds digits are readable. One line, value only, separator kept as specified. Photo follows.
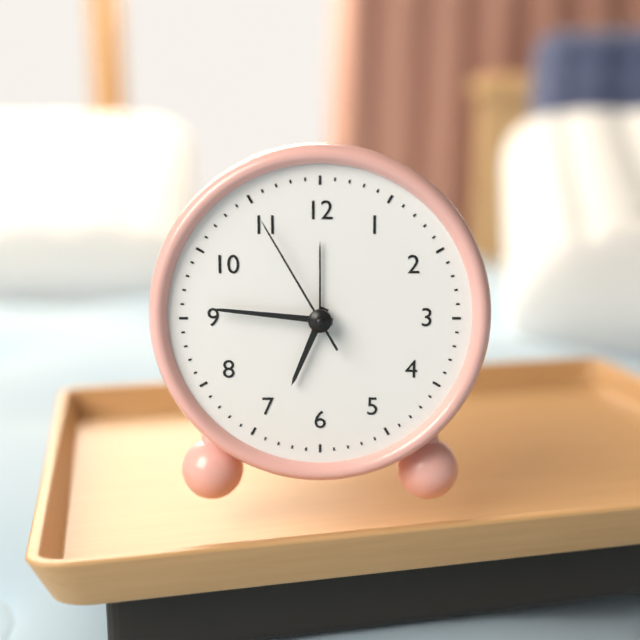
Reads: 6:46:55
